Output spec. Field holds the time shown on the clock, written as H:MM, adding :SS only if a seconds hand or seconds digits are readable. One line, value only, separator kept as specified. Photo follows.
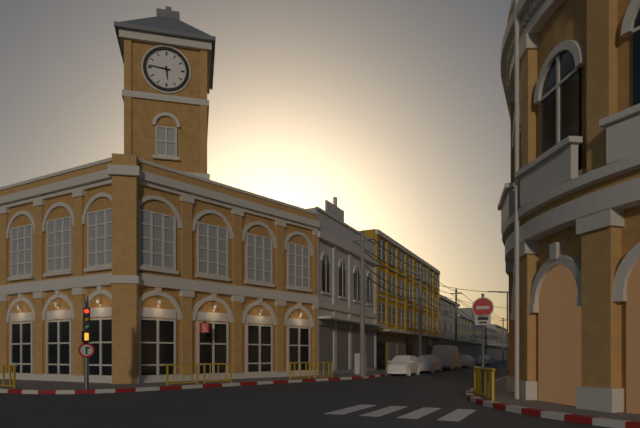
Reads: 5:46
